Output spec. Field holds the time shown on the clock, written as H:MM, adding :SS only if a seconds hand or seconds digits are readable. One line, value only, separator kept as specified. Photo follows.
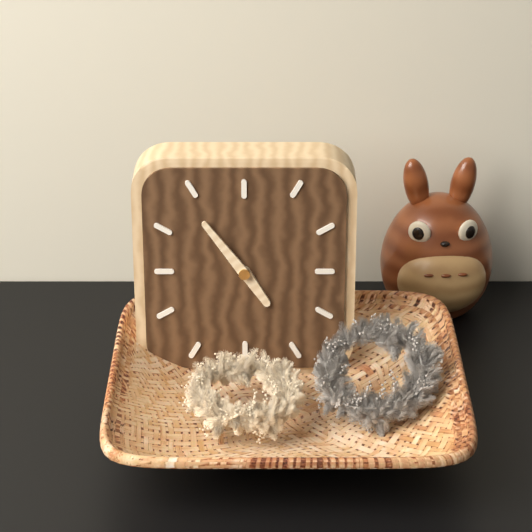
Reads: 4:54
